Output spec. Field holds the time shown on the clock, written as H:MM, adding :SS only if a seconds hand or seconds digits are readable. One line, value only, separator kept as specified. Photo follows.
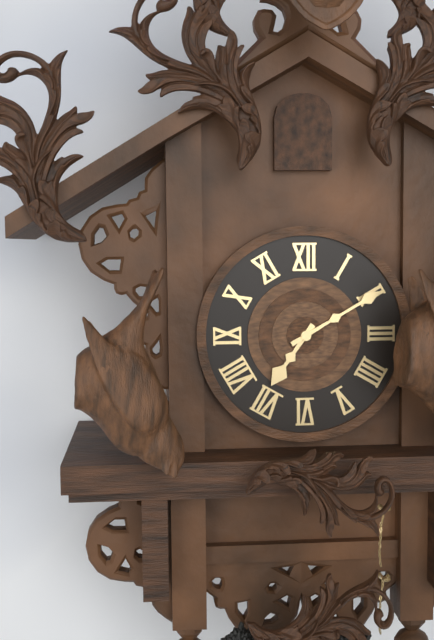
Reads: 7:10
